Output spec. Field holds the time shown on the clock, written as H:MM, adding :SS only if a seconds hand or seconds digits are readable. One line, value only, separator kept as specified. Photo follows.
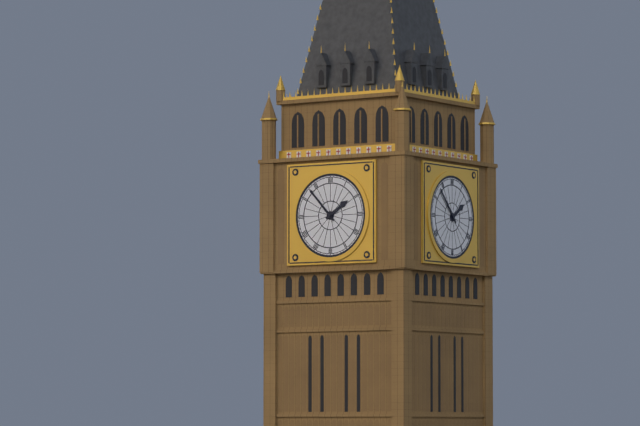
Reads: 1:53
